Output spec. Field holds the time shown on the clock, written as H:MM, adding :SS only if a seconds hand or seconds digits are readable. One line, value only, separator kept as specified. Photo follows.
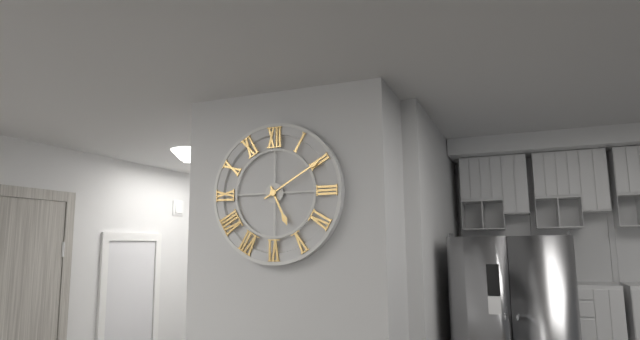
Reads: 5:10
